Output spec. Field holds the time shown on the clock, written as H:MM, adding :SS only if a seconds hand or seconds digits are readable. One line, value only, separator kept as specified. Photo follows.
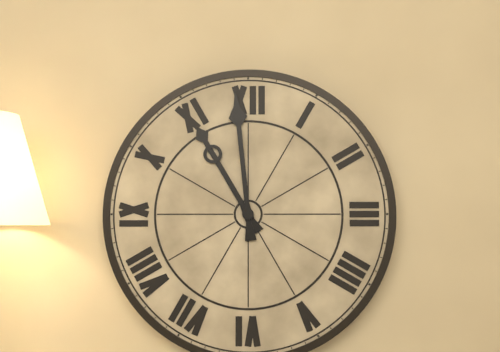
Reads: 10:59
